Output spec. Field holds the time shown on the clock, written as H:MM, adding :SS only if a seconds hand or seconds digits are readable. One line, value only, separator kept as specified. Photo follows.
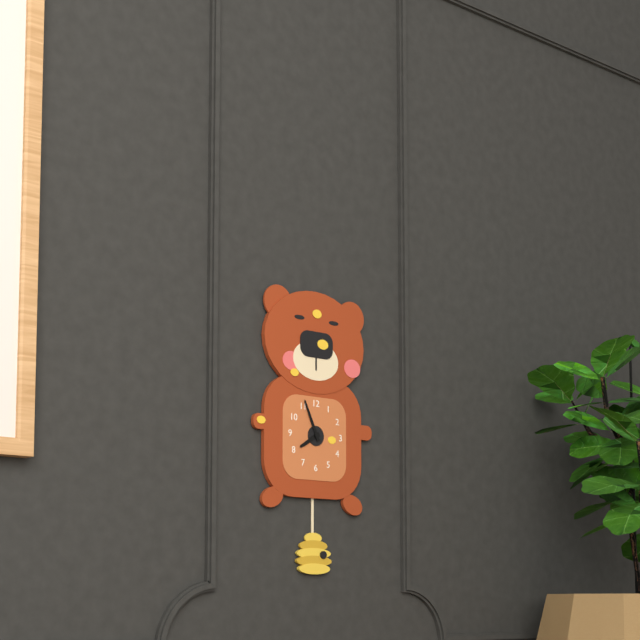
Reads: 7:56
